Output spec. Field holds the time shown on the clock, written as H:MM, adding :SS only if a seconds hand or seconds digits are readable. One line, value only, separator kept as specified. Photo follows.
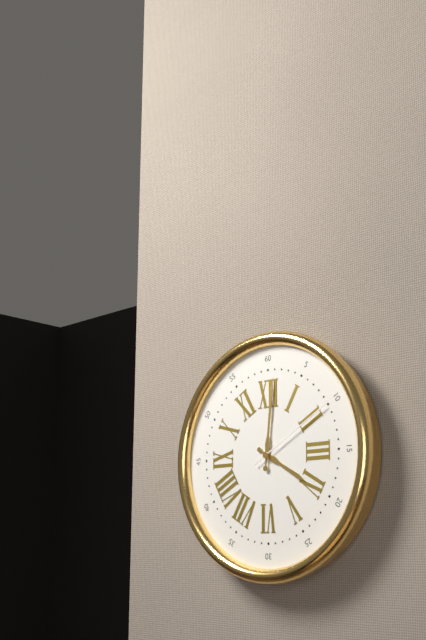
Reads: 4:01:10
